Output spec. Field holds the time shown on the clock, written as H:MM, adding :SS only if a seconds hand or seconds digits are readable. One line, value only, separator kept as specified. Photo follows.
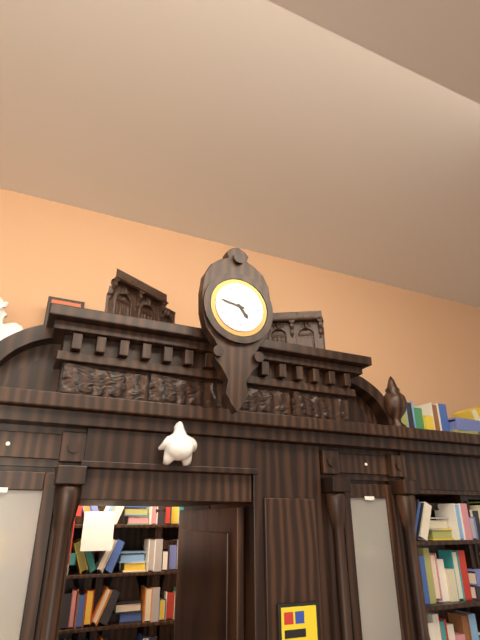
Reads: 4:47
